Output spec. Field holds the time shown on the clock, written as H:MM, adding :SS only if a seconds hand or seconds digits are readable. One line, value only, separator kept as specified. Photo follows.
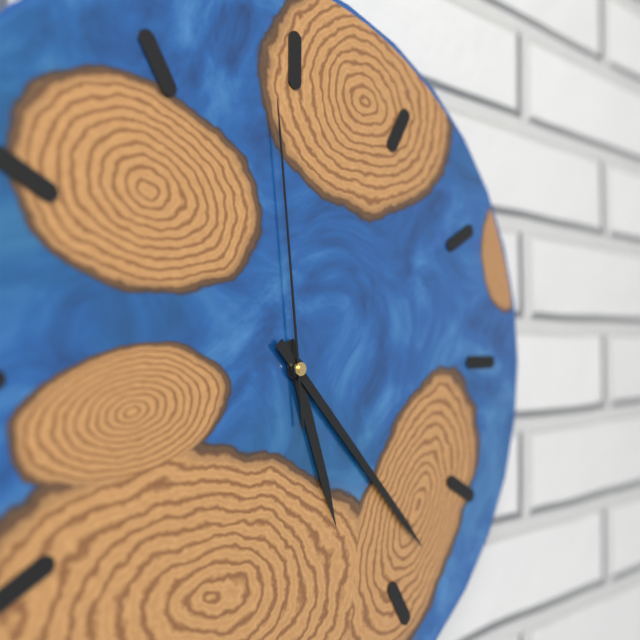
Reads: 5:23:59
